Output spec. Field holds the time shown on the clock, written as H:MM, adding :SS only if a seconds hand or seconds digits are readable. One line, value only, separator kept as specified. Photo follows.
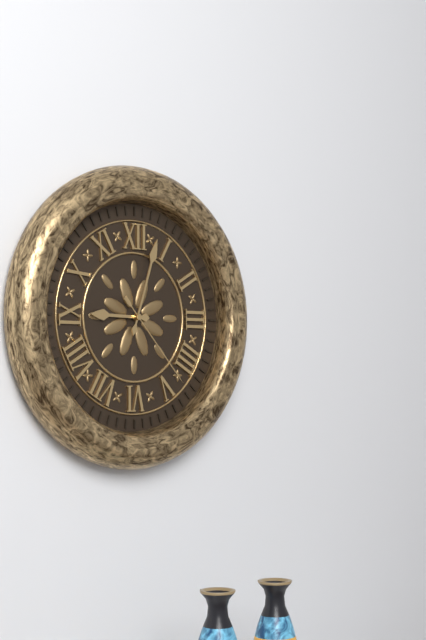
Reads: 9:03:23
